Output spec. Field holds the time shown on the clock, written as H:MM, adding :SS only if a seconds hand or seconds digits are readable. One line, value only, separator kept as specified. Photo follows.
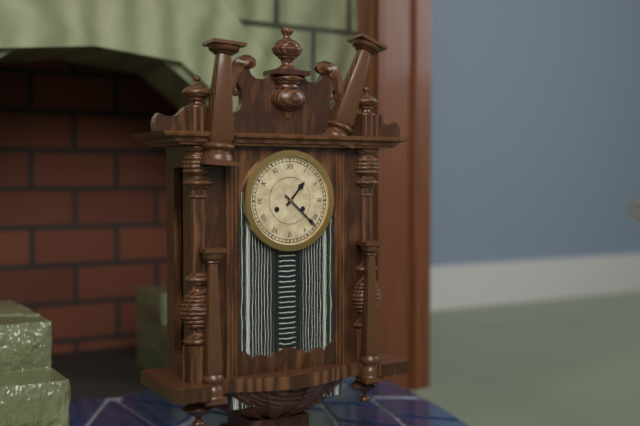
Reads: 1:22
